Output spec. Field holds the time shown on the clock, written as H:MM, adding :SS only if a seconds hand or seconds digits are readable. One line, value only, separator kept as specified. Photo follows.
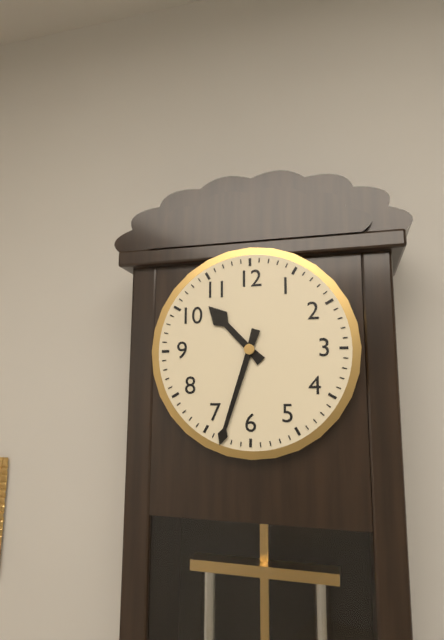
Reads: 10:33
